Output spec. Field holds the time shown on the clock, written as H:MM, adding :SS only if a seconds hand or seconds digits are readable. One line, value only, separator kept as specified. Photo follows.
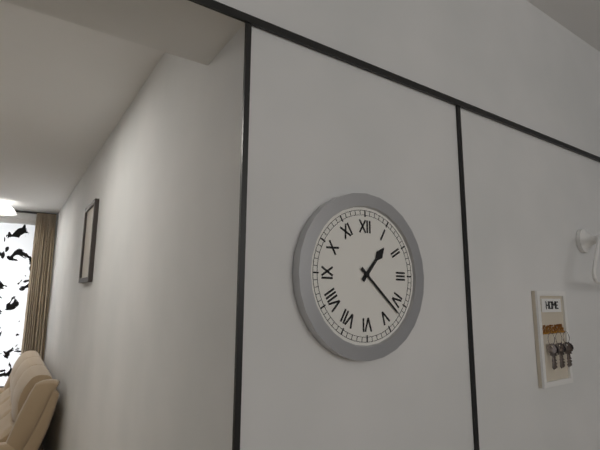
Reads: 1:22
